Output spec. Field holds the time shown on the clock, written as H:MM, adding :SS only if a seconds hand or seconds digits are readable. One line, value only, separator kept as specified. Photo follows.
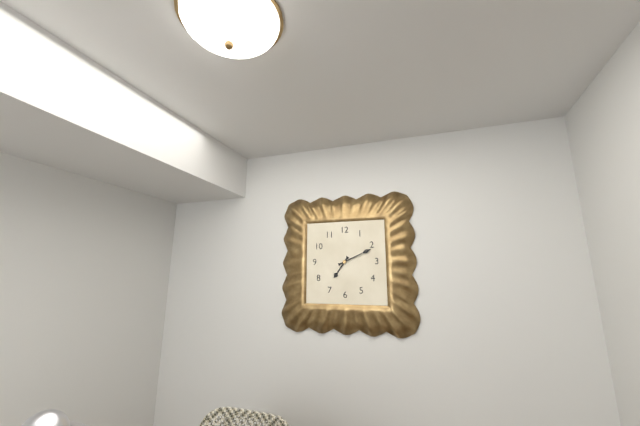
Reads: 7:11
